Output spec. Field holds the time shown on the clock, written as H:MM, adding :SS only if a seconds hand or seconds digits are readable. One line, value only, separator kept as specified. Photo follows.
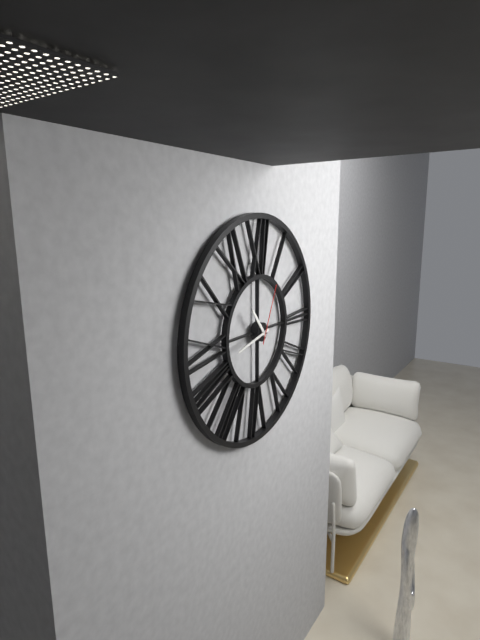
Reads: 10:43:04
